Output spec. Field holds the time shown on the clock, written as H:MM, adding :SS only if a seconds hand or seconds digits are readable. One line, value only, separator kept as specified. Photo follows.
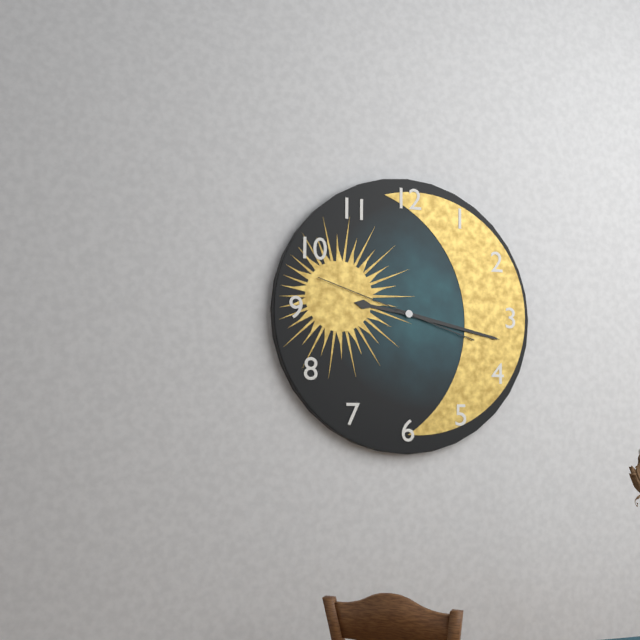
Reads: 9:17:48
